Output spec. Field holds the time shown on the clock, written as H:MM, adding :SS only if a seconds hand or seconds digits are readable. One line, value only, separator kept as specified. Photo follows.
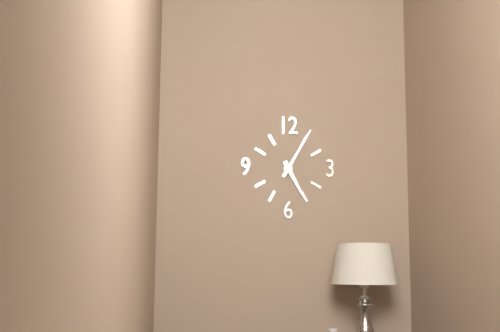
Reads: 5:05
